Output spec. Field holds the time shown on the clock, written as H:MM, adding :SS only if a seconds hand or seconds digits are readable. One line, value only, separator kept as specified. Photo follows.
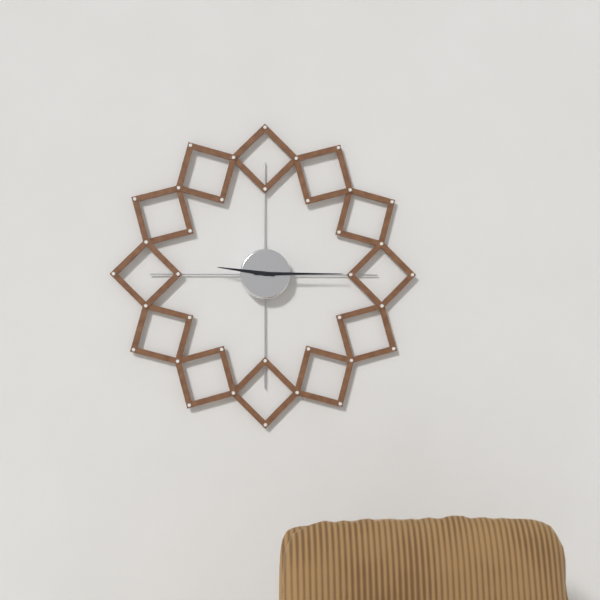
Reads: 9:15
